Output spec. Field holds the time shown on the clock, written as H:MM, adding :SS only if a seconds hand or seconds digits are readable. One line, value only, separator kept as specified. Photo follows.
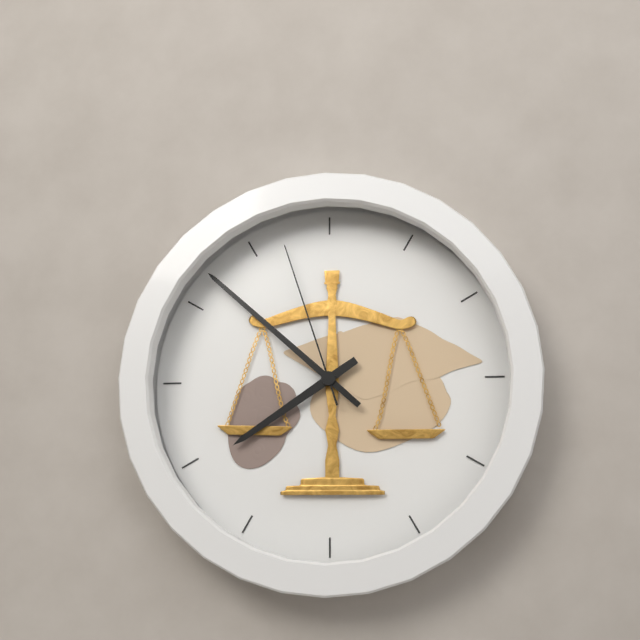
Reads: 7:52:57
